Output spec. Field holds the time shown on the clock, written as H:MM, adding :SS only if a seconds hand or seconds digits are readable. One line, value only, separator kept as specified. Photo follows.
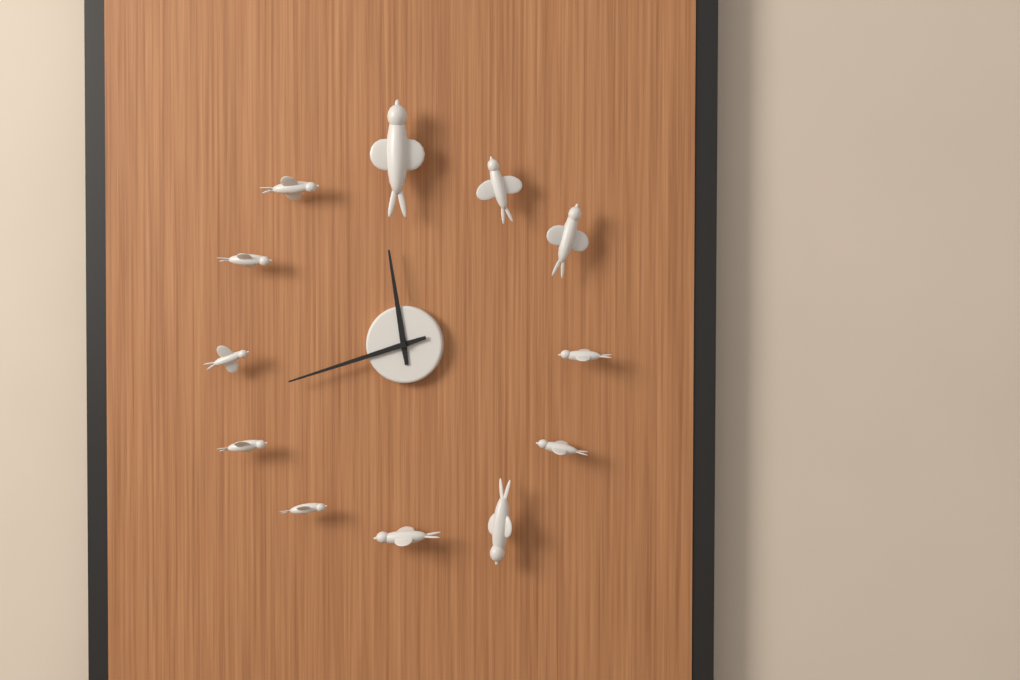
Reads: 11:42
